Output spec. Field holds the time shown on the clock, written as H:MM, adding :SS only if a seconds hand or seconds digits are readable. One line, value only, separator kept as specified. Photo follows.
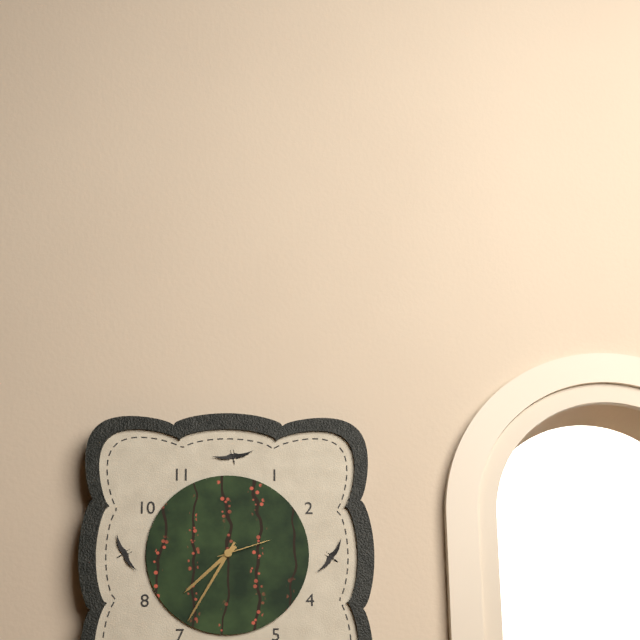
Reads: 7:35:12
